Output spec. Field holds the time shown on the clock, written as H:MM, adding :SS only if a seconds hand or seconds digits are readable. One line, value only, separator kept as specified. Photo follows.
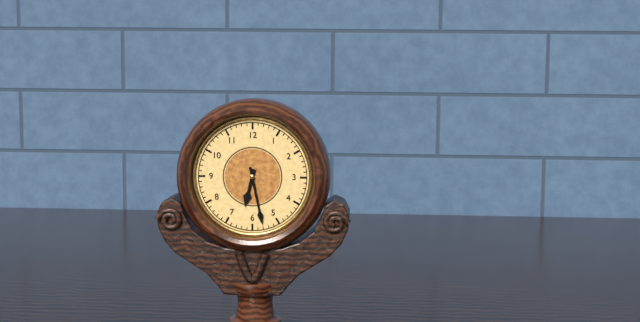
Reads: 6:28
